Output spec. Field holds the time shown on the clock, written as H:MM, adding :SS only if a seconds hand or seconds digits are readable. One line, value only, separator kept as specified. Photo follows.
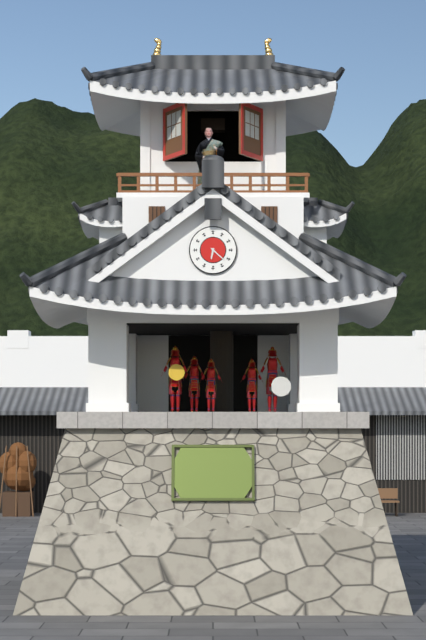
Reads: 6:22
